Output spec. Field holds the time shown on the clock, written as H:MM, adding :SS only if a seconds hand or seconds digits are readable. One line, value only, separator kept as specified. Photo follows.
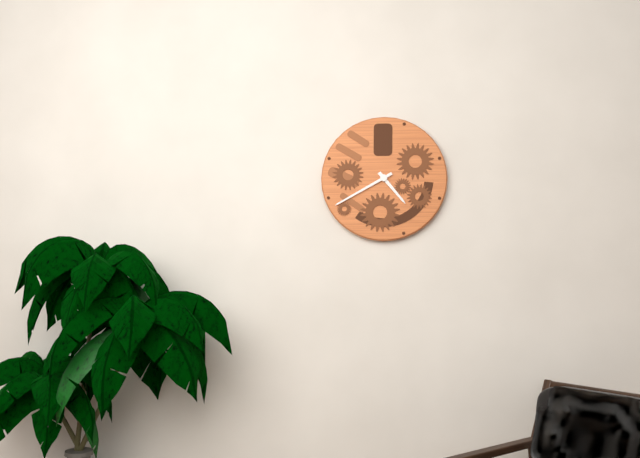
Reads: 4:40
